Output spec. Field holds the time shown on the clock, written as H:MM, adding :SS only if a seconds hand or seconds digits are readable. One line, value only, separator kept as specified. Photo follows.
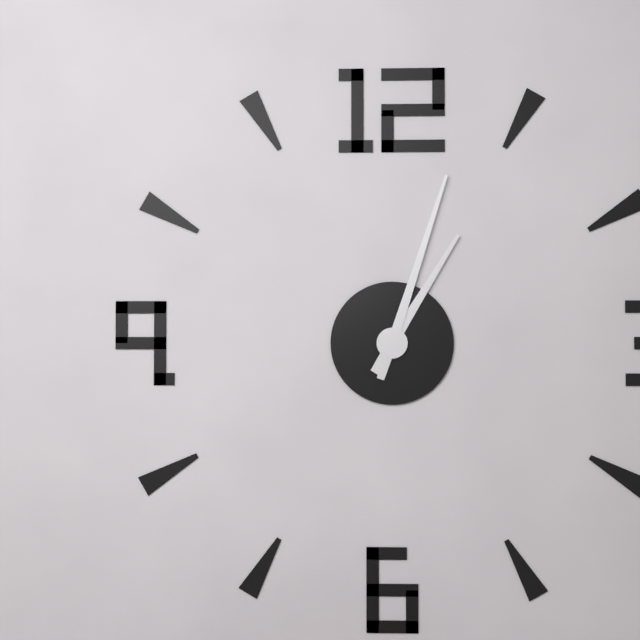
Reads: 1:03
